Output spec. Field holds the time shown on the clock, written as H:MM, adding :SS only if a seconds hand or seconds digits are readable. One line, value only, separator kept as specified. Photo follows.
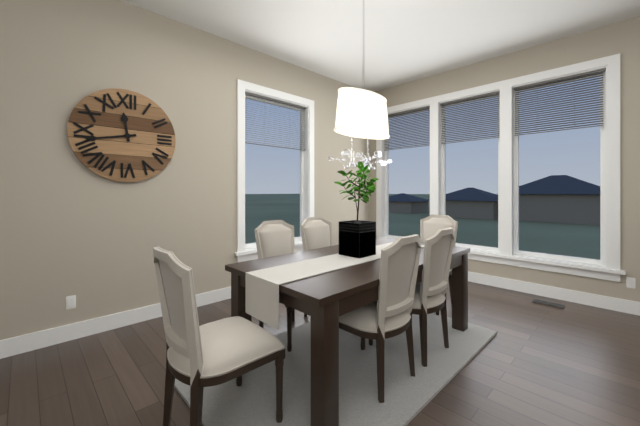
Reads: 11:43
